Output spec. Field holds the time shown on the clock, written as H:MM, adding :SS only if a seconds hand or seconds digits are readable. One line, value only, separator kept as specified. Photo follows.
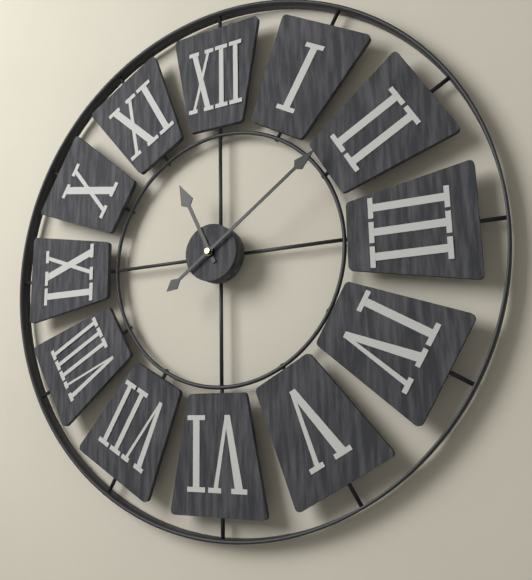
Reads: 11:09
